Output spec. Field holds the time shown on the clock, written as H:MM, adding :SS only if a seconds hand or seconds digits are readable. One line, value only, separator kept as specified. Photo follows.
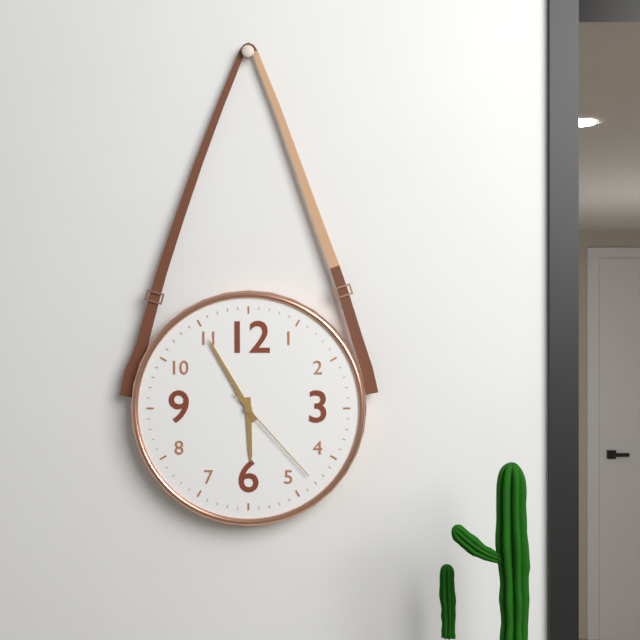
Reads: 5:55:23
